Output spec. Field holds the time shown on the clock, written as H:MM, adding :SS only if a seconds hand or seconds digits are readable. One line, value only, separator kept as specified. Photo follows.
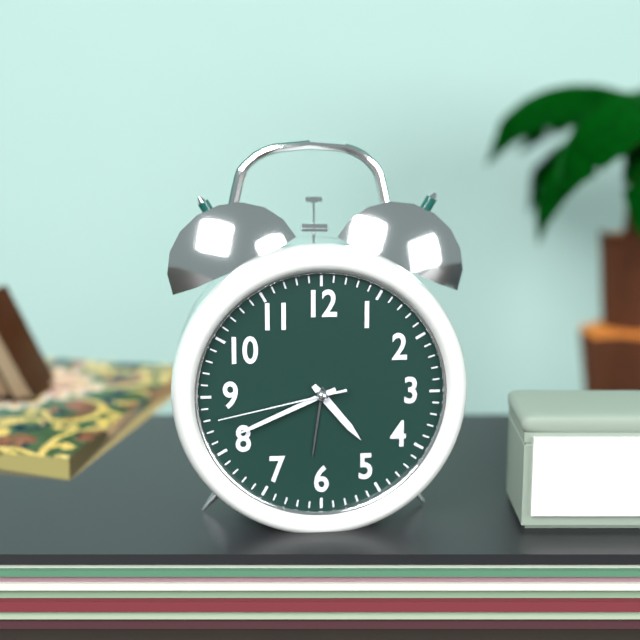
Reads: 4:41:43
